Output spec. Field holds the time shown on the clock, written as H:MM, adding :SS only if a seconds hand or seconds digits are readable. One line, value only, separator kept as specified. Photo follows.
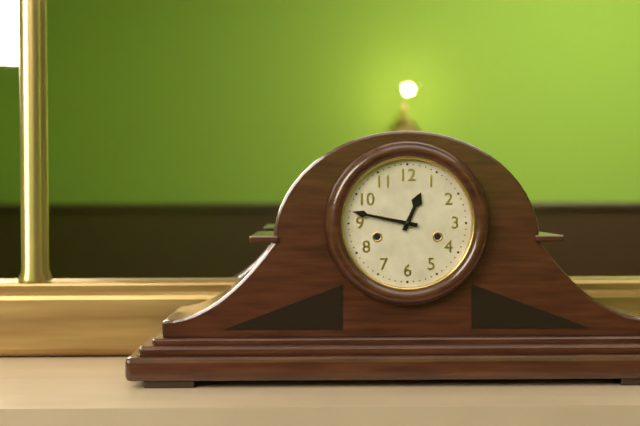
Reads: 12:47
